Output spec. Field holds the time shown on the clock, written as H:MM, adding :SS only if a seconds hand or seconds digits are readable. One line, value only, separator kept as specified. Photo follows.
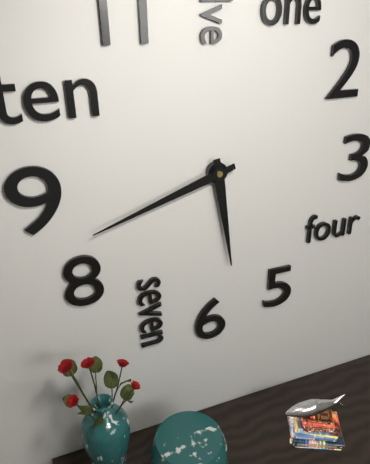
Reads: 5:42
